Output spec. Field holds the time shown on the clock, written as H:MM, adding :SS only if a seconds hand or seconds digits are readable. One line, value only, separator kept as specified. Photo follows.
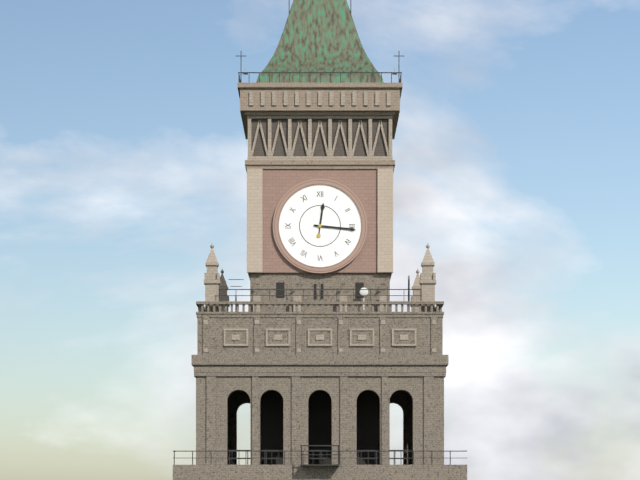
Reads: 12:16
